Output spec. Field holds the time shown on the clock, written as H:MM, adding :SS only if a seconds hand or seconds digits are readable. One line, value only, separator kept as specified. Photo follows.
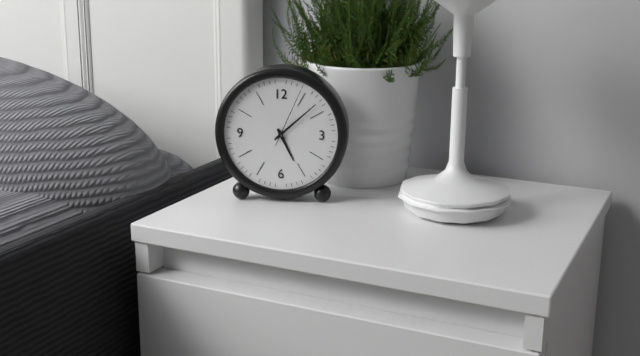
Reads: 5:08:04
